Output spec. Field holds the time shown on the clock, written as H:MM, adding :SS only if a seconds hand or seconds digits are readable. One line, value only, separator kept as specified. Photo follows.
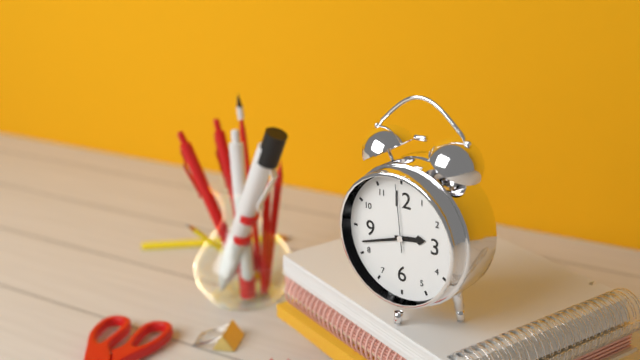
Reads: 2:42:59
